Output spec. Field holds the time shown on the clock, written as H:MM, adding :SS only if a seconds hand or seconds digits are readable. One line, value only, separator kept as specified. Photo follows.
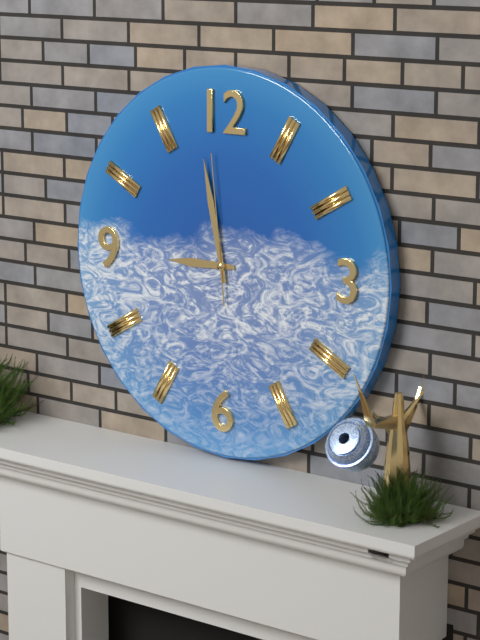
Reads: 8:58:59
